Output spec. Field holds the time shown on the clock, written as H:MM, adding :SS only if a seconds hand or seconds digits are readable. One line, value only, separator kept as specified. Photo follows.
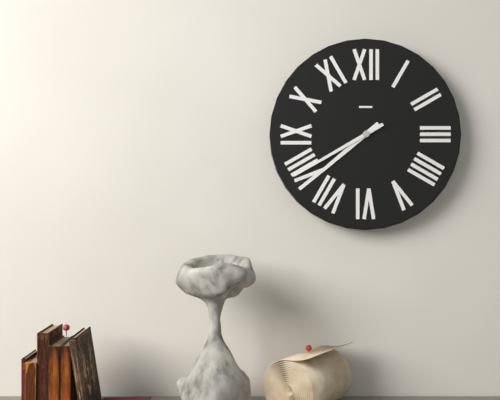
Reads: 7:40
